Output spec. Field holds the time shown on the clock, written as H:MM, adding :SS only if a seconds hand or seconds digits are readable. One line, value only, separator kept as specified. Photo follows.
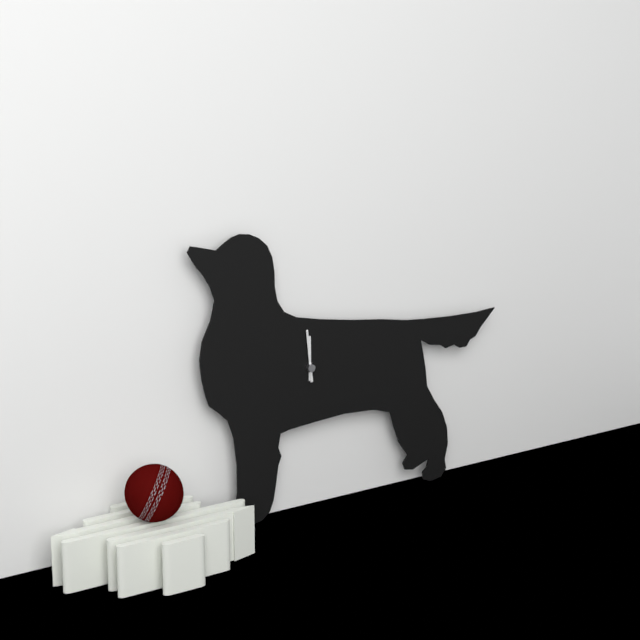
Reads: 11:59
